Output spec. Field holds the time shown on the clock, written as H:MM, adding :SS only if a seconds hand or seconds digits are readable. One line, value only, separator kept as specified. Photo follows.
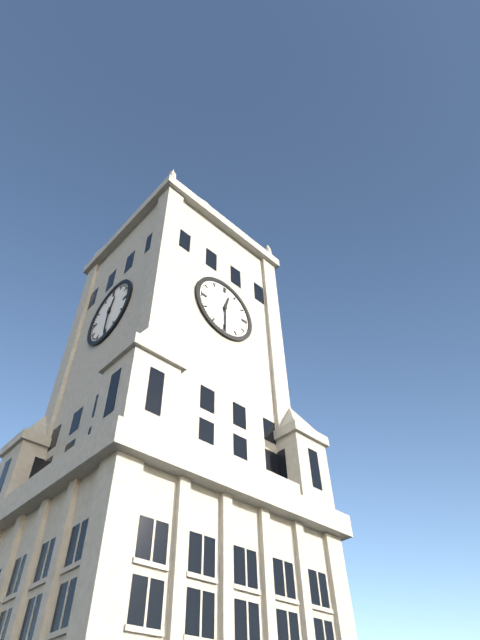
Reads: 12:30
